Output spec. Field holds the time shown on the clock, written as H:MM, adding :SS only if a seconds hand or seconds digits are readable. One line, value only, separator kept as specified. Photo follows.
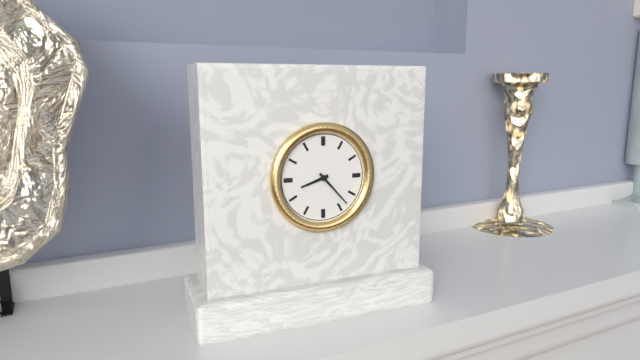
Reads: 8:23
